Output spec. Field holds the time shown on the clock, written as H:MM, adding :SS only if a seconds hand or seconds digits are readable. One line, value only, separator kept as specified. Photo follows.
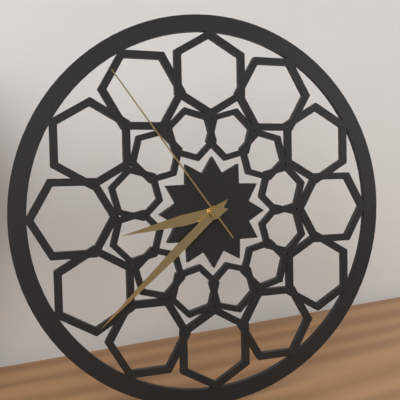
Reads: 8:38:54
